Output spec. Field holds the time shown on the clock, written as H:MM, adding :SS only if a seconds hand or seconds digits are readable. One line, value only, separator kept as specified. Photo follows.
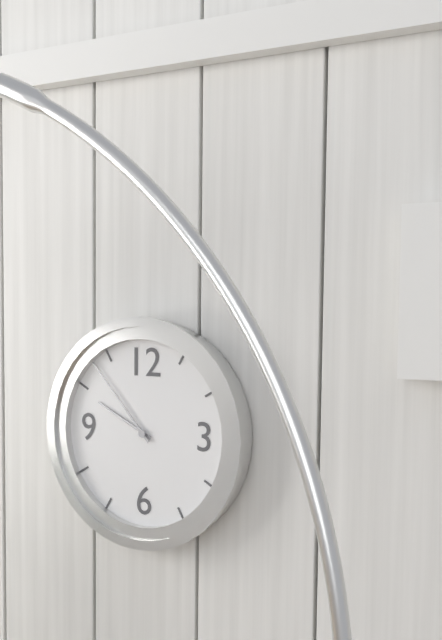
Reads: 9:53
